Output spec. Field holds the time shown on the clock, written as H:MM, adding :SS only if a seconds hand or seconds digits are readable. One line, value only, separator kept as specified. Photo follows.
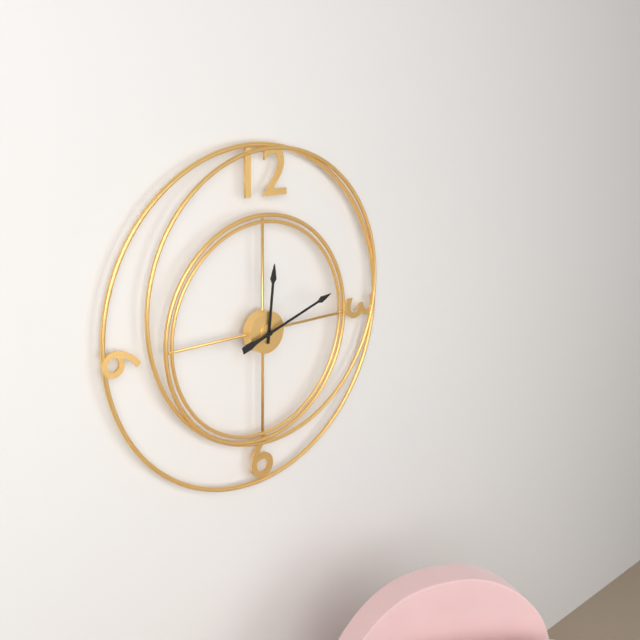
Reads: 12:12
